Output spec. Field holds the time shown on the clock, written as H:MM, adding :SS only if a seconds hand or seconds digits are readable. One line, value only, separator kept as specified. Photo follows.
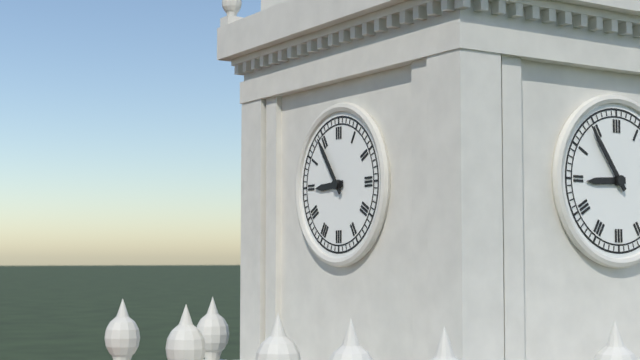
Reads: 8:54
